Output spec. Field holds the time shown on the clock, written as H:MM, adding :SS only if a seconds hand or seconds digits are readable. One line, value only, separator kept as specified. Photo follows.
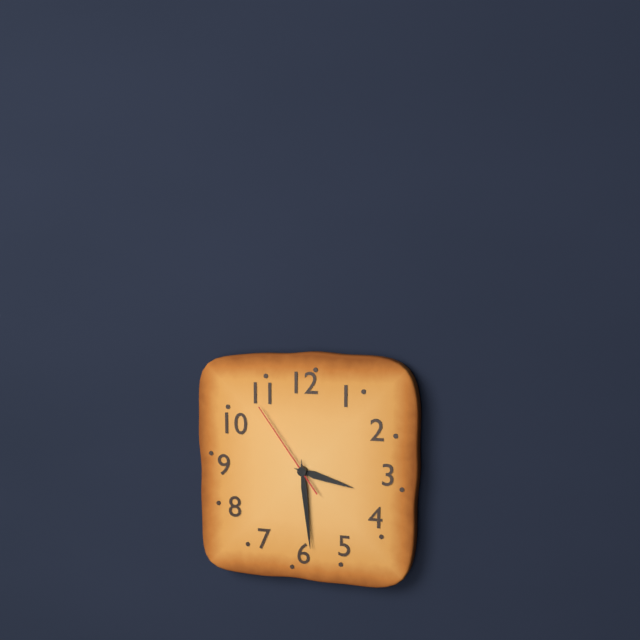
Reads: 3:29:54
